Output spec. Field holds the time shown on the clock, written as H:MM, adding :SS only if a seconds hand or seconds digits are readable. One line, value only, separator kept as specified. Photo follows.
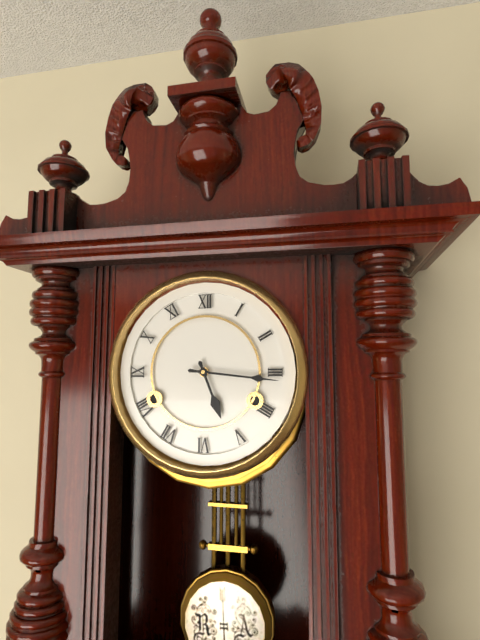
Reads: 5:16
